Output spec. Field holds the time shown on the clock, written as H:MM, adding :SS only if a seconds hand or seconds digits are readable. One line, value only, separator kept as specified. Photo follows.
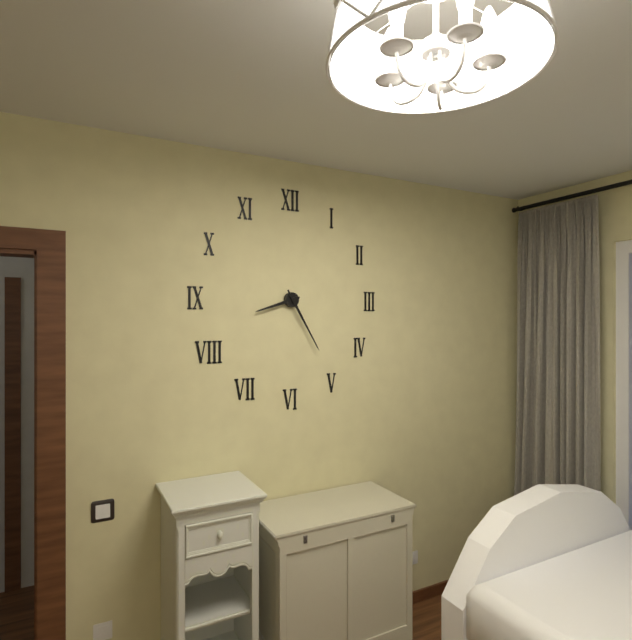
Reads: 8:25
